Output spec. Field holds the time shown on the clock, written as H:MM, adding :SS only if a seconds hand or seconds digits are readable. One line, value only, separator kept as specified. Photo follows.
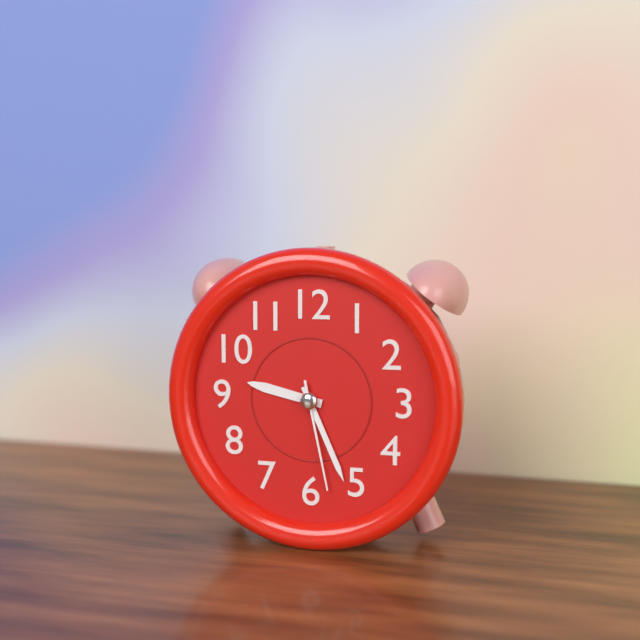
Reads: 9:26:28
